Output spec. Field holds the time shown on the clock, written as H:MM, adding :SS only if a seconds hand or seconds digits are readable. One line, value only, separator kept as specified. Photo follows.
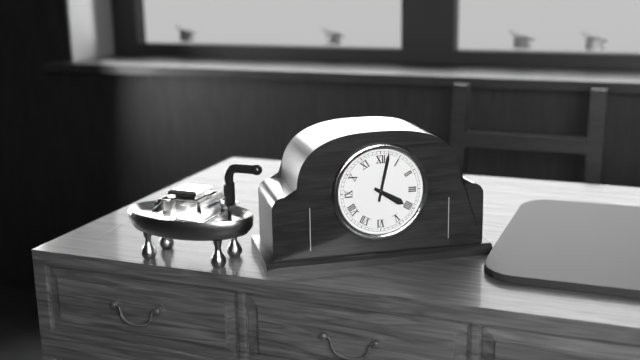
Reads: 4:02
